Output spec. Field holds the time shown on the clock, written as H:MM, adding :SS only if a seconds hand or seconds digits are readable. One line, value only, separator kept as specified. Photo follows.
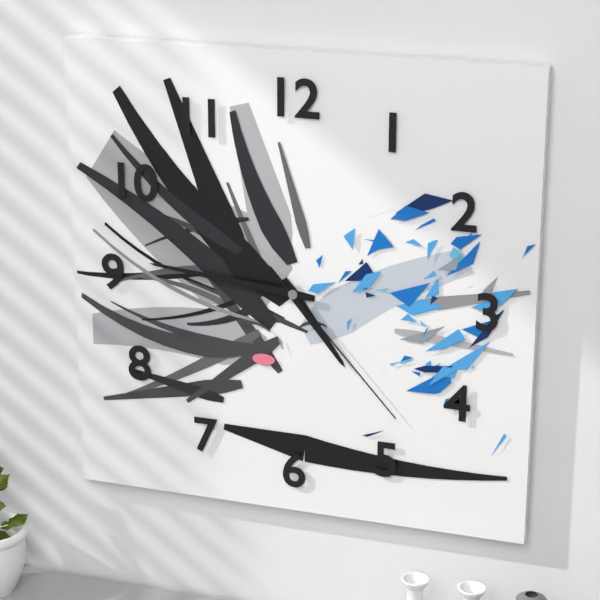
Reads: 4:46:23
